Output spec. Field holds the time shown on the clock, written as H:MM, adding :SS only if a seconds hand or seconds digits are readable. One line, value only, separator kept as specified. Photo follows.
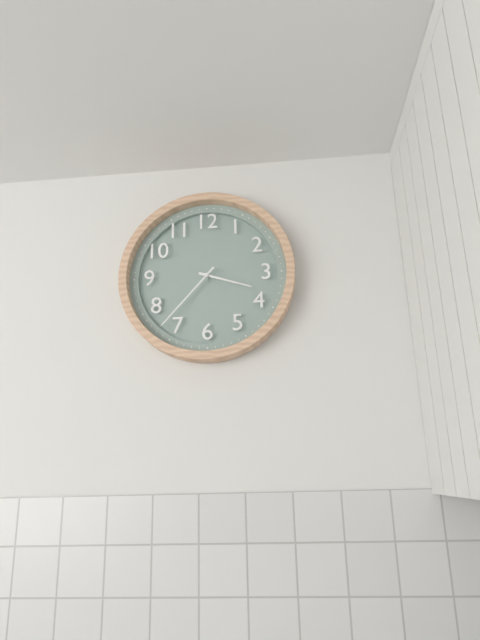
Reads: 3:37
